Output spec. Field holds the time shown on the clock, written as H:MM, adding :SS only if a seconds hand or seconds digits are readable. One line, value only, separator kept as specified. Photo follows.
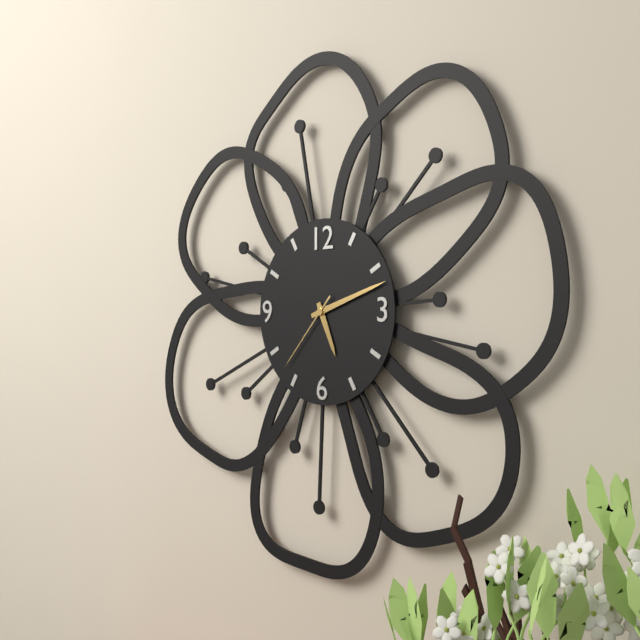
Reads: 5:12:37
